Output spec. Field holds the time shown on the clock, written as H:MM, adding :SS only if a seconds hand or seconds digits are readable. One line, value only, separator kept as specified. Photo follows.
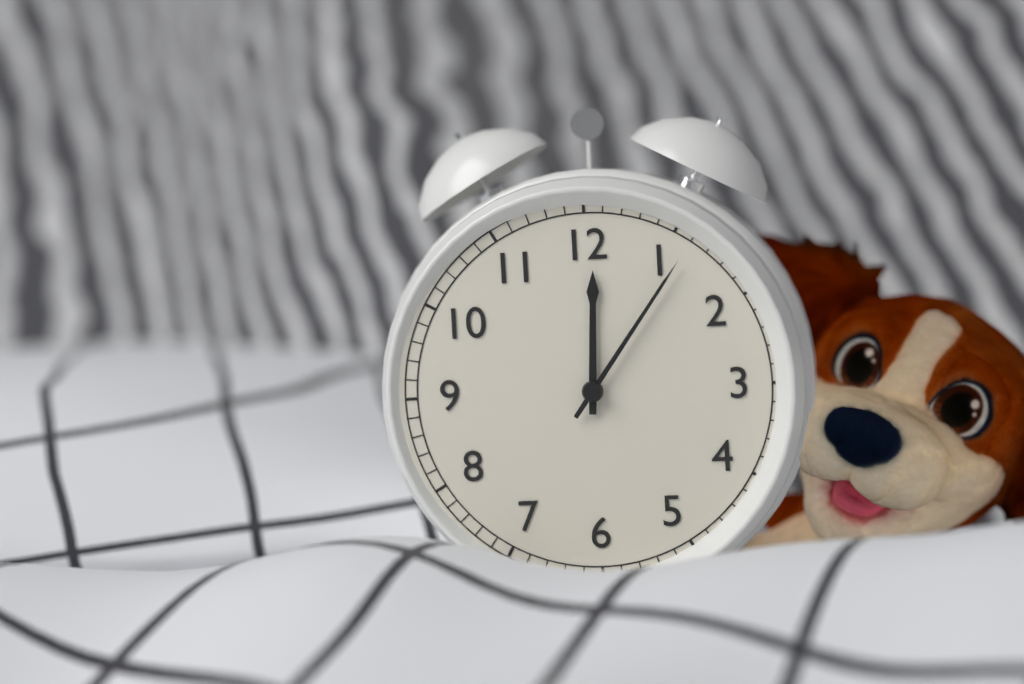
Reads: 12:06
